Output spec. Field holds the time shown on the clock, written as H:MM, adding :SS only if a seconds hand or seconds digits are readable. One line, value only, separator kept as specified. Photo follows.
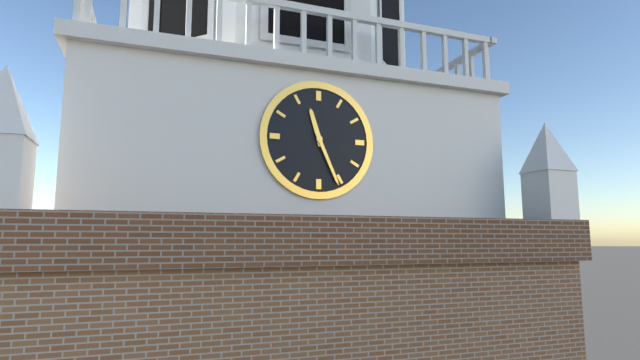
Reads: 11:26
